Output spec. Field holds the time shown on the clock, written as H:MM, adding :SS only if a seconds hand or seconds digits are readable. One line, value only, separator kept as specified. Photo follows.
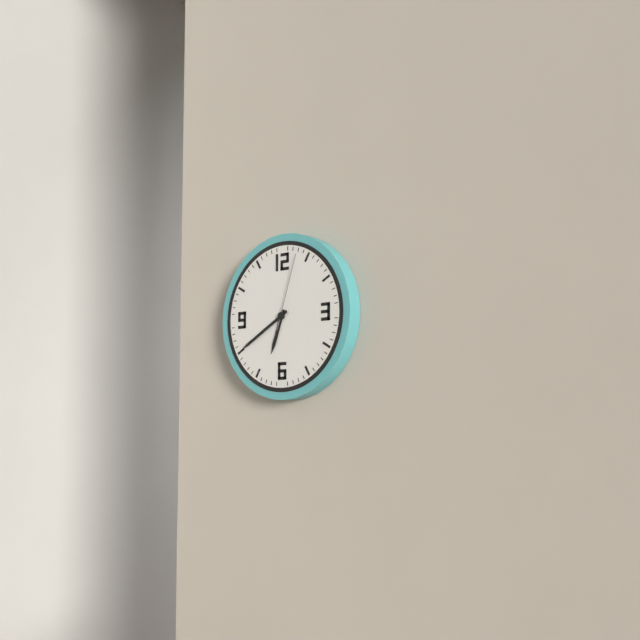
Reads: 6:40:03
